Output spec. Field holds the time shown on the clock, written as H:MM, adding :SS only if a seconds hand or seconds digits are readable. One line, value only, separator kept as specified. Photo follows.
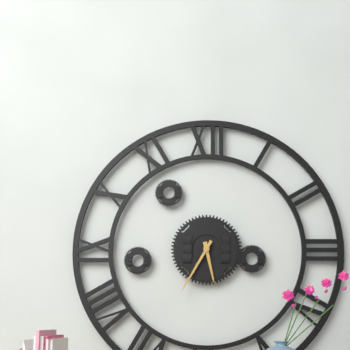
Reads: 5:35
